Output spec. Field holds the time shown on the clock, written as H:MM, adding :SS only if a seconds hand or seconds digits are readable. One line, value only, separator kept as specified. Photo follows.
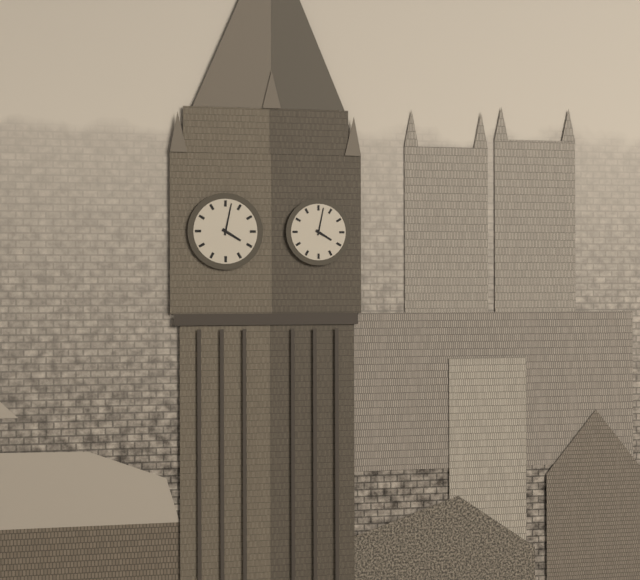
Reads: 4:02
